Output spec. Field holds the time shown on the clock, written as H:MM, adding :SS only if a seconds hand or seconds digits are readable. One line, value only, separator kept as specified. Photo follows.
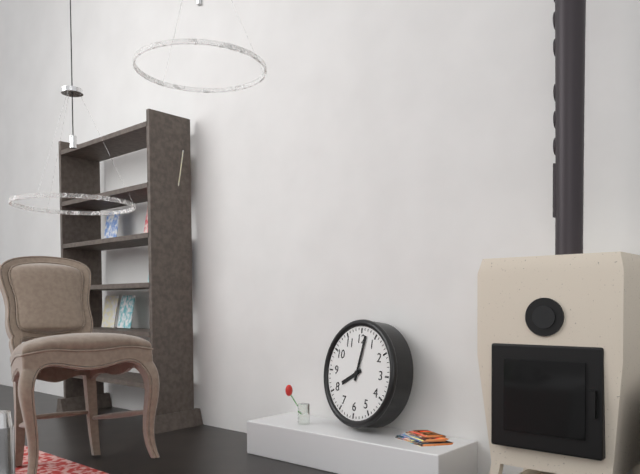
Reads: 8:02
